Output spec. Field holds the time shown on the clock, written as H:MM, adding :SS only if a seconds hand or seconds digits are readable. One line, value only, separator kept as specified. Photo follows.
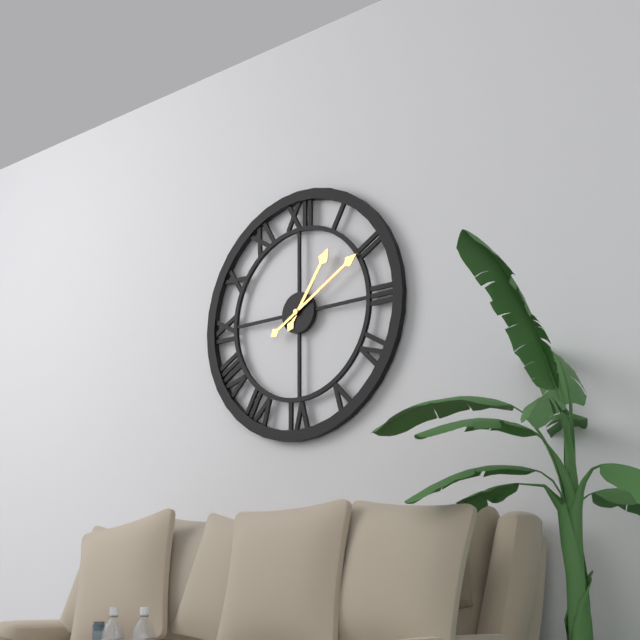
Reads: 1:10
